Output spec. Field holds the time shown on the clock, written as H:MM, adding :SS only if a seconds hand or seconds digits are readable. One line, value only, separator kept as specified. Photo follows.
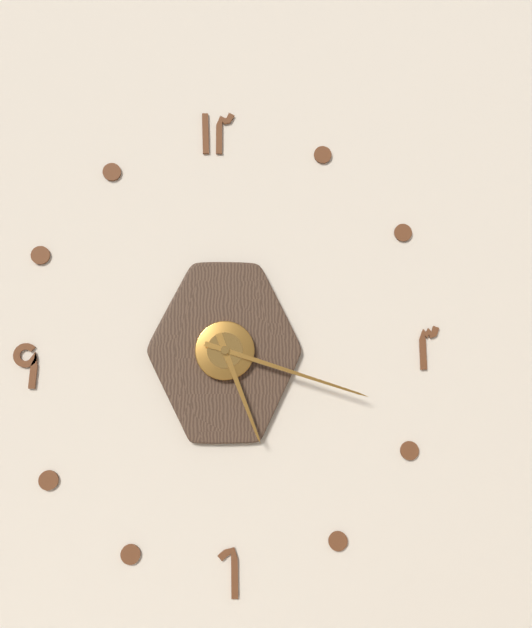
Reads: 5:18
